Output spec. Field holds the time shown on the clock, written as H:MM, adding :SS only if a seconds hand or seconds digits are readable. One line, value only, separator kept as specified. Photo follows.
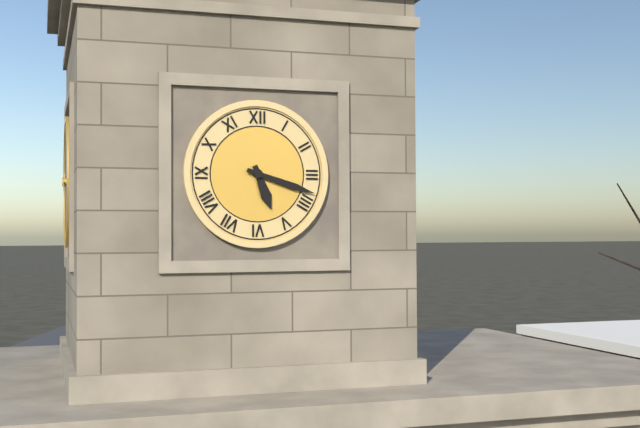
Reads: 5:18
